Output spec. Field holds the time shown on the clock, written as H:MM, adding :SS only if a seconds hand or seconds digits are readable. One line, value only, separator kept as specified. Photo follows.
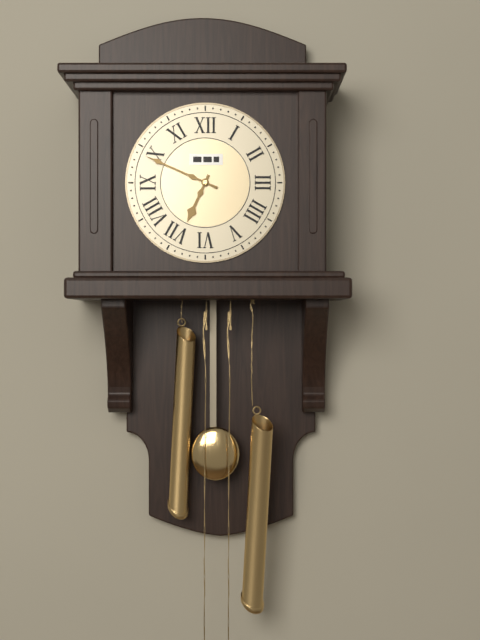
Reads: 6:49
